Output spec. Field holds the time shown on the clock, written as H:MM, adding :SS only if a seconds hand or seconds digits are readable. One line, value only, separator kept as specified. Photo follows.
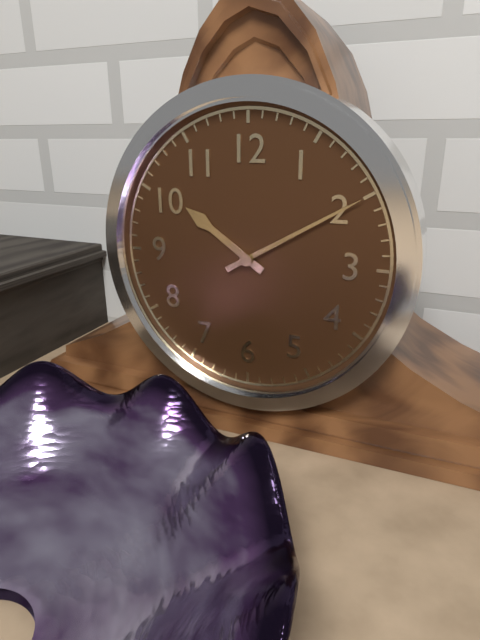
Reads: 10:10
